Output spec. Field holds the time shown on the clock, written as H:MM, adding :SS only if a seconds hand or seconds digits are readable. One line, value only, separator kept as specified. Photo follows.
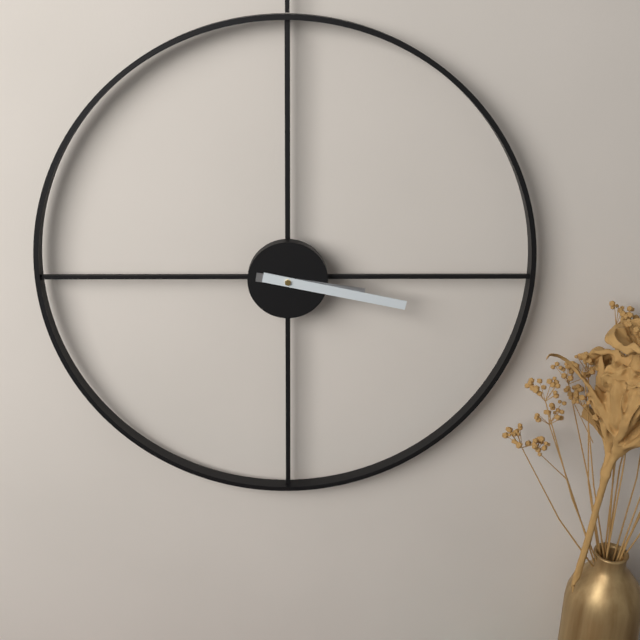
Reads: 3:17
